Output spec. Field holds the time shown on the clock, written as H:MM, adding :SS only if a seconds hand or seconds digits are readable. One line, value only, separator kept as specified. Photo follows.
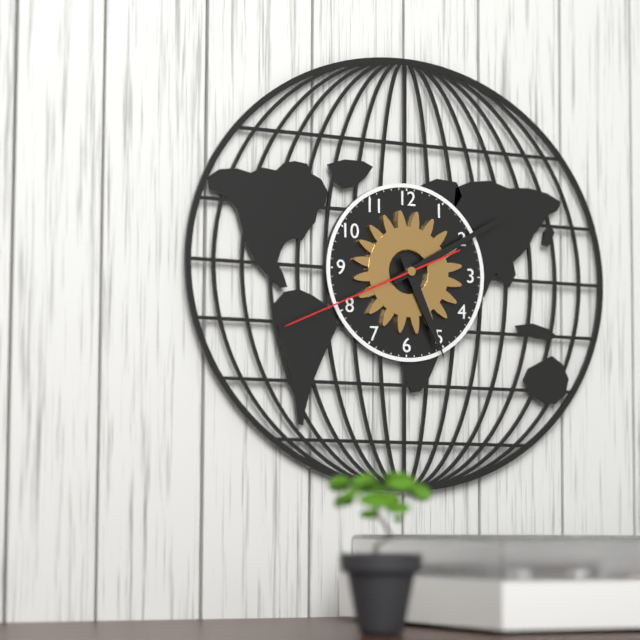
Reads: 5:10:41
